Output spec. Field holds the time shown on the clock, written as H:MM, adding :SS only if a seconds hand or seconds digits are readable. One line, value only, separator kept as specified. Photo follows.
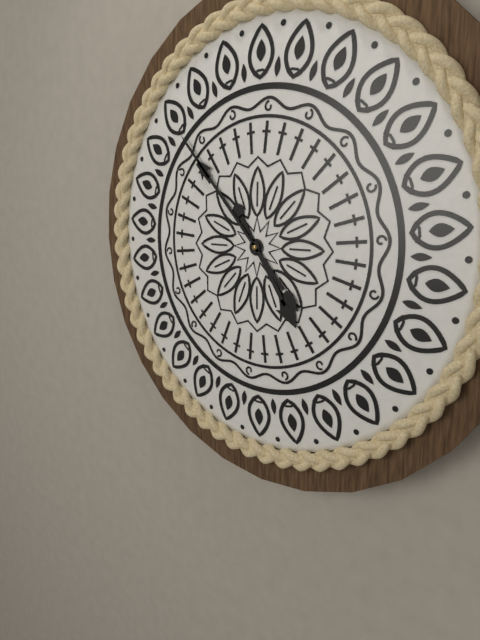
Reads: 4:53
